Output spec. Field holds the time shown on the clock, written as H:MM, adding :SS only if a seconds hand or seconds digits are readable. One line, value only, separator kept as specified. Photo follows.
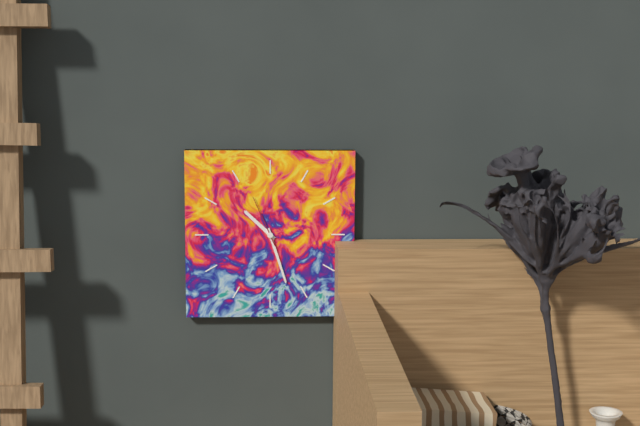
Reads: 10:27:56
